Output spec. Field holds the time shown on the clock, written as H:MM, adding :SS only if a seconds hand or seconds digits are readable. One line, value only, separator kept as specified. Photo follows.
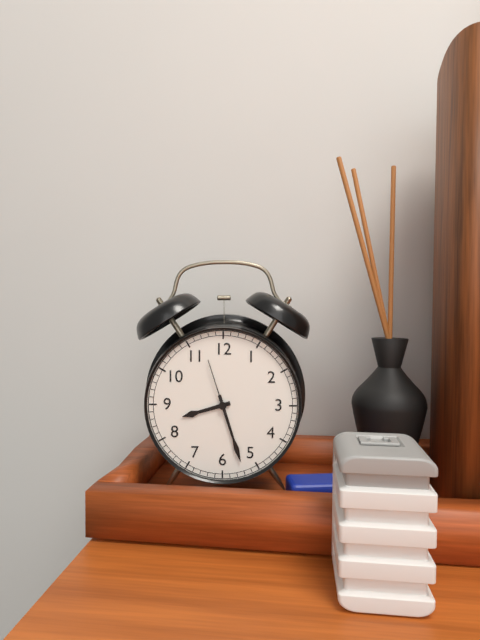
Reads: 8:27:57
